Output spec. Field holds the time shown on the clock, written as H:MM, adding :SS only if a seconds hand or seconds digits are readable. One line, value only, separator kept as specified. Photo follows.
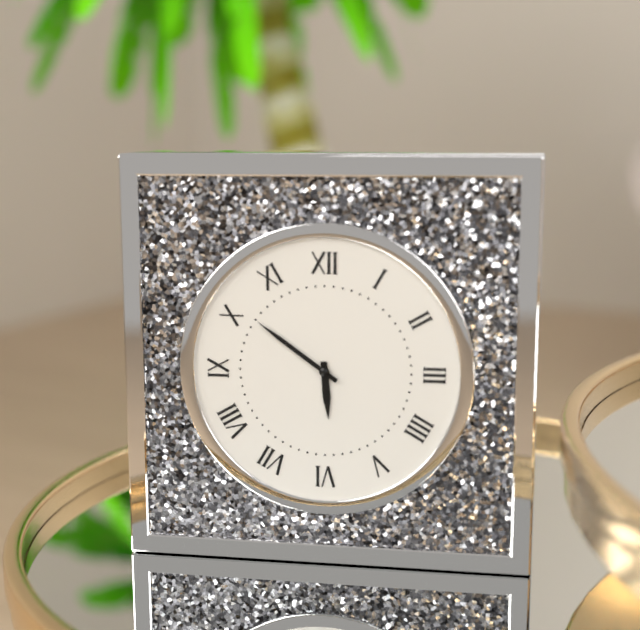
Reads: 5:51
